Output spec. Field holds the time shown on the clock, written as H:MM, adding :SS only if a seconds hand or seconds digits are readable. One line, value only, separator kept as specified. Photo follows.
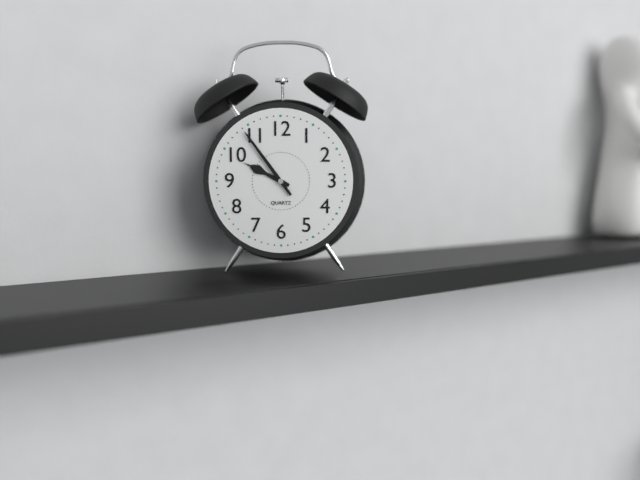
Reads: 9:54
